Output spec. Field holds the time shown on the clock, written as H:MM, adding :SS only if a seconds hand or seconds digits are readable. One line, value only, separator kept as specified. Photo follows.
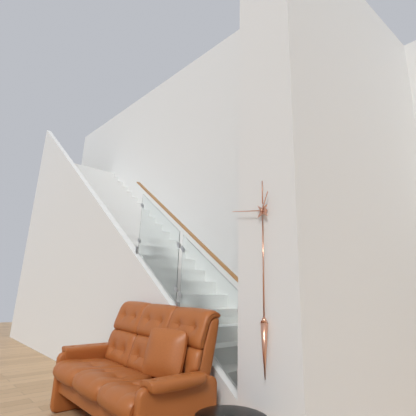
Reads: 12:46
